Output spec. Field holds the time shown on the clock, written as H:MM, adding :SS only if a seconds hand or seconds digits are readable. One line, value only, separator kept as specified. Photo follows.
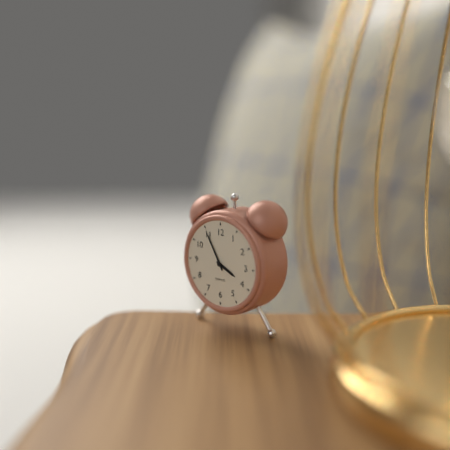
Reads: 3:55
